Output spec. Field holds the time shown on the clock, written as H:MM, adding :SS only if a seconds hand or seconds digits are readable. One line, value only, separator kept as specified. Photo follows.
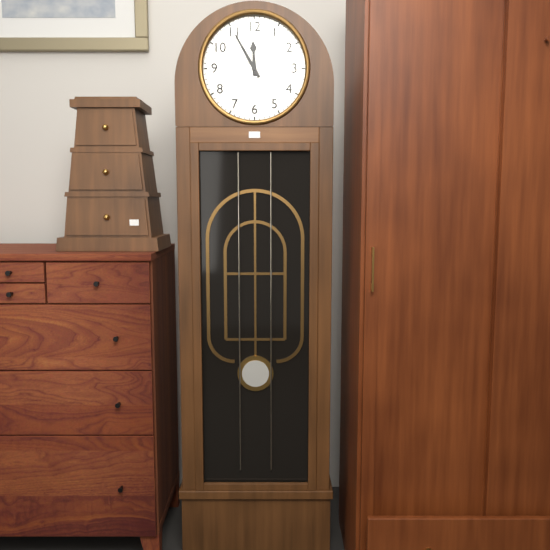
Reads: 11:55
